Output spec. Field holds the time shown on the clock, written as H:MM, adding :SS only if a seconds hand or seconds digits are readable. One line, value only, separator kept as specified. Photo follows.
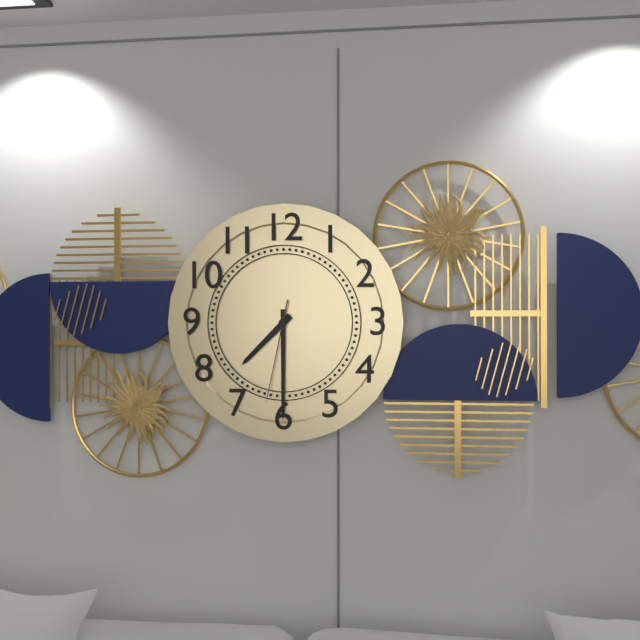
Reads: 7:30:32
